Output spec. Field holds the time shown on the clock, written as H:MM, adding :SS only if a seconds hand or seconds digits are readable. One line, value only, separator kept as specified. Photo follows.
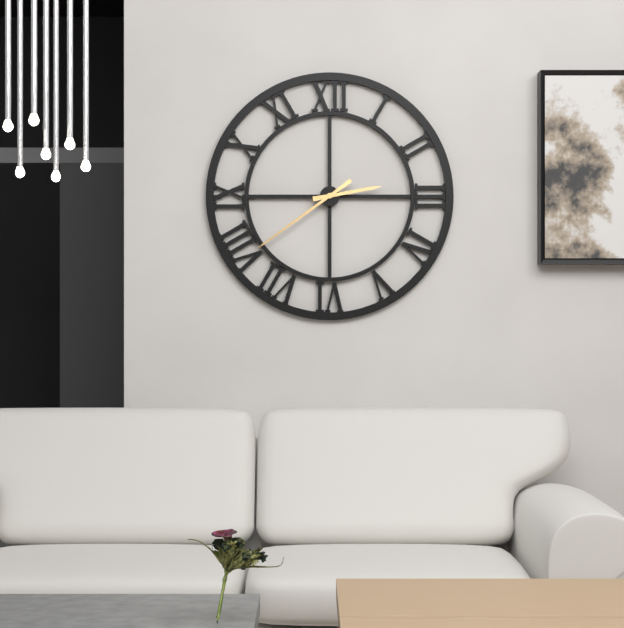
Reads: 2:39
